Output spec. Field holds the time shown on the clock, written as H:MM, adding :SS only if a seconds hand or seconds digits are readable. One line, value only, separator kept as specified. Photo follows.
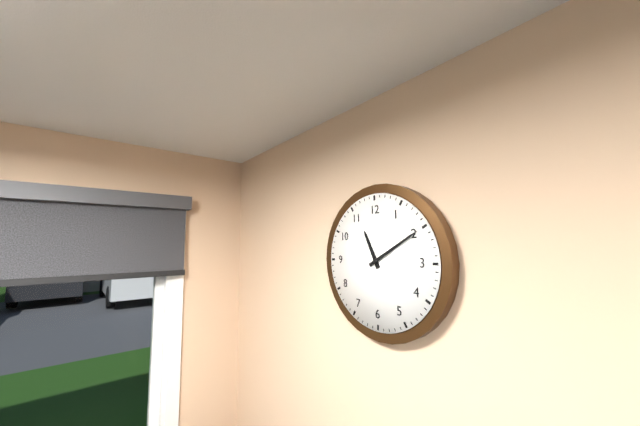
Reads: 11:10
